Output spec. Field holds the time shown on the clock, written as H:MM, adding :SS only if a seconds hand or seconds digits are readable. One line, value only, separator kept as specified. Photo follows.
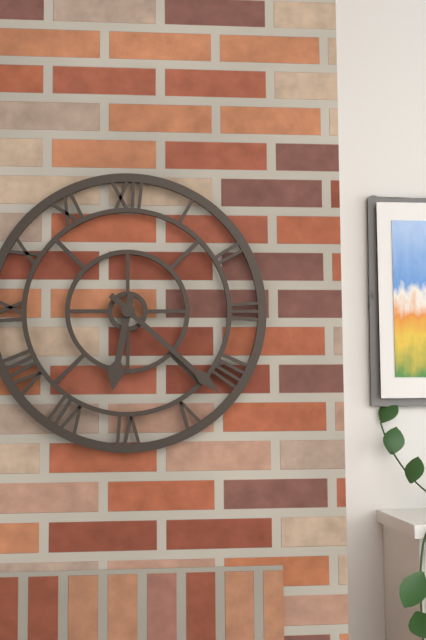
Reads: 6:22
